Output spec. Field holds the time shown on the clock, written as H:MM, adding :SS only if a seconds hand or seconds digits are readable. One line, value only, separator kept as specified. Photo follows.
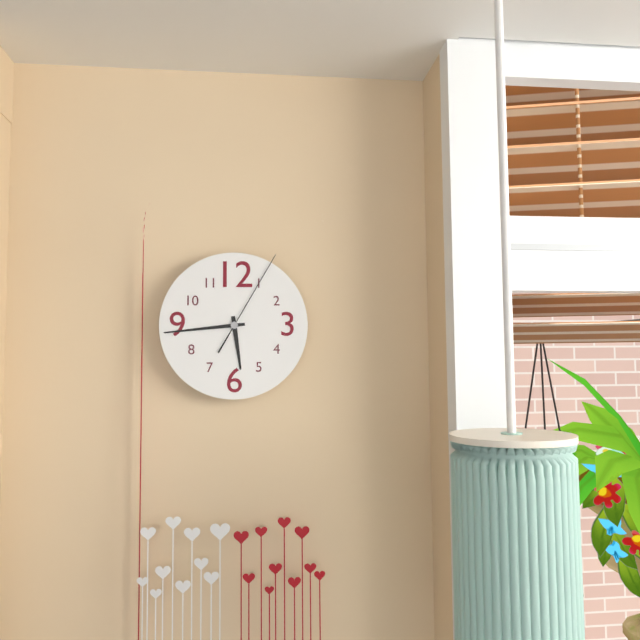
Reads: 5:44:05
